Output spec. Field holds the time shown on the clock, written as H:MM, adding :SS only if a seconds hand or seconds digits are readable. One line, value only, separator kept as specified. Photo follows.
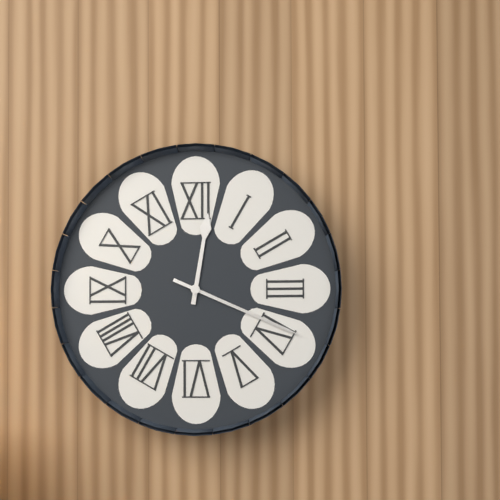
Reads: 12:19
